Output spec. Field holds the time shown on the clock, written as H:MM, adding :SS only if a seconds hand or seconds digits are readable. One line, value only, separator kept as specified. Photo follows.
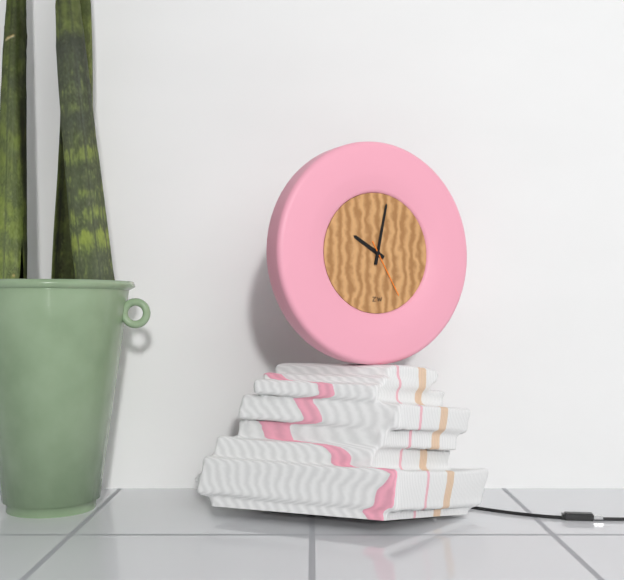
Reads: 10:02:25
